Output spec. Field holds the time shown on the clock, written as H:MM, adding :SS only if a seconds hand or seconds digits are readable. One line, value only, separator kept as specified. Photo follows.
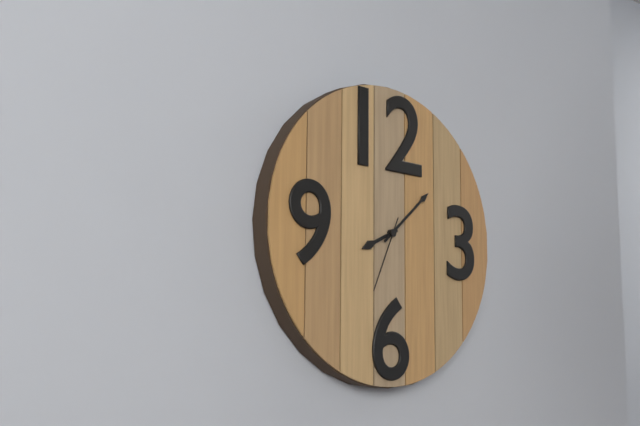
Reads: 8:08:34
